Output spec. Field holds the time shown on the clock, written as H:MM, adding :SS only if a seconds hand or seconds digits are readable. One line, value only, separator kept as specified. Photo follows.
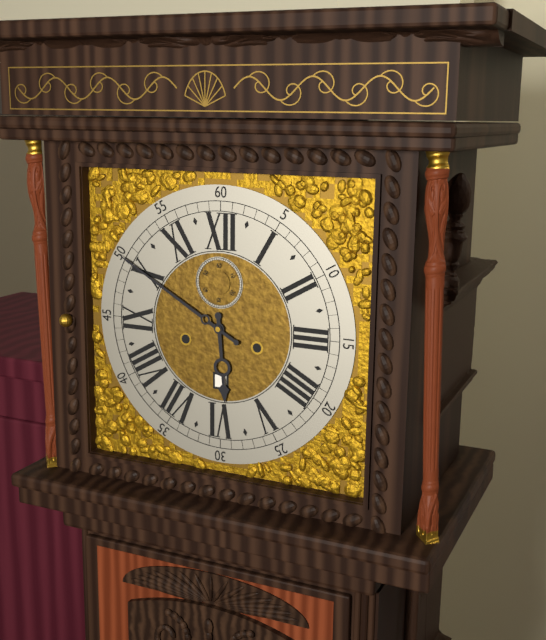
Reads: 5:50
